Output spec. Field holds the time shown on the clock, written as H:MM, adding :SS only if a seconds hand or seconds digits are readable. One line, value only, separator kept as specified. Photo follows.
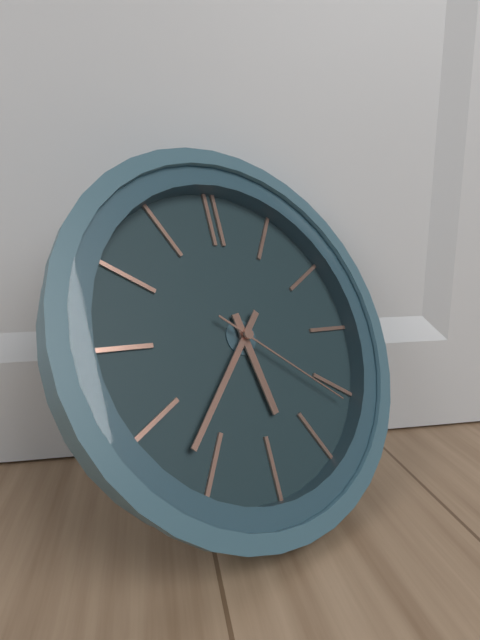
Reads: 5:37:21
